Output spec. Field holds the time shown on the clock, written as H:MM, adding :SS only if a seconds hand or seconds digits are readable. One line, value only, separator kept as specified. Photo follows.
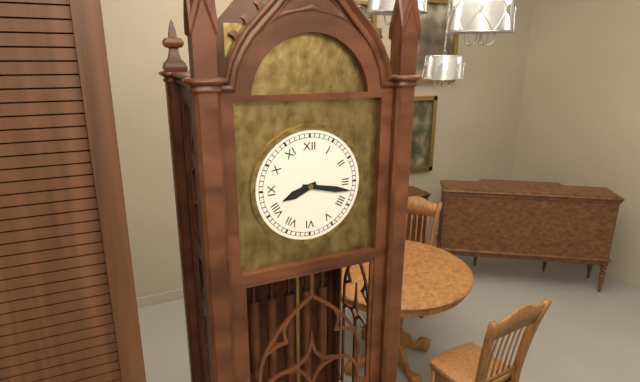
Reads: 8:17
